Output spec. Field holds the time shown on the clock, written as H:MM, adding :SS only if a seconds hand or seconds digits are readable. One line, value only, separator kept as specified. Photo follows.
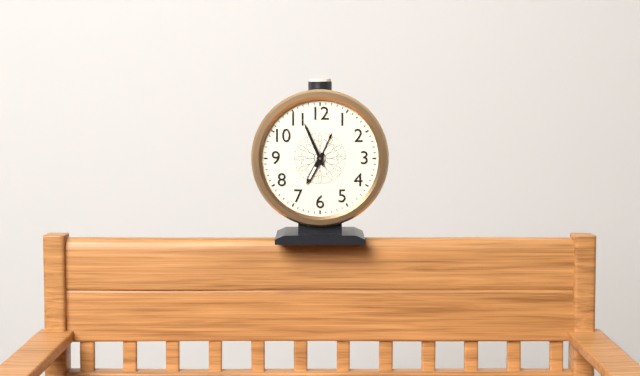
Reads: 6:56
